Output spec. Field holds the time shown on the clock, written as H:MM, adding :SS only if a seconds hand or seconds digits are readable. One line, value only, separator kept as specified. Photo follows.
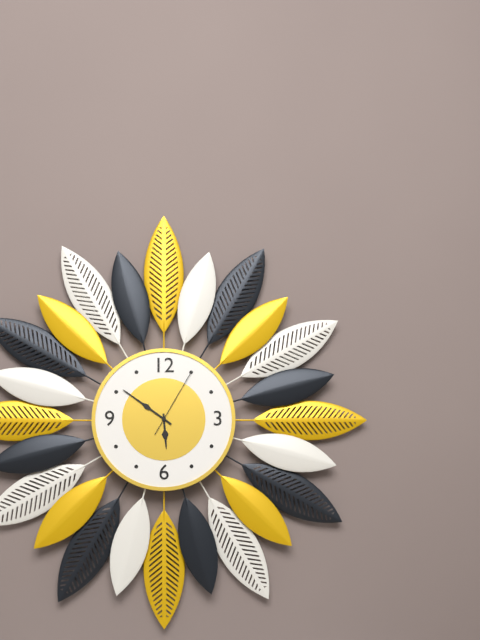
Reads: 5:51:05
